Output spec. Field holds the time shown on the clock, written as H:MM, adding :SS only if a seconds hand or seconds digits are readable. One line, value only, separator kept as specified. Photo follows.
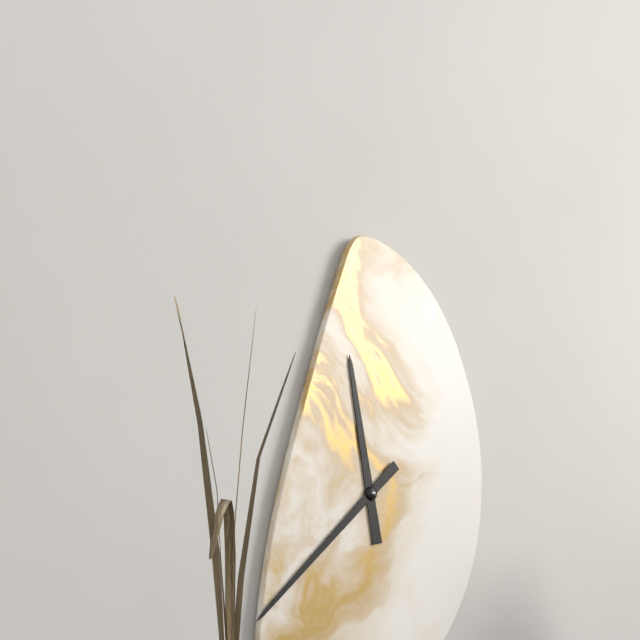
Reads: 11:38
